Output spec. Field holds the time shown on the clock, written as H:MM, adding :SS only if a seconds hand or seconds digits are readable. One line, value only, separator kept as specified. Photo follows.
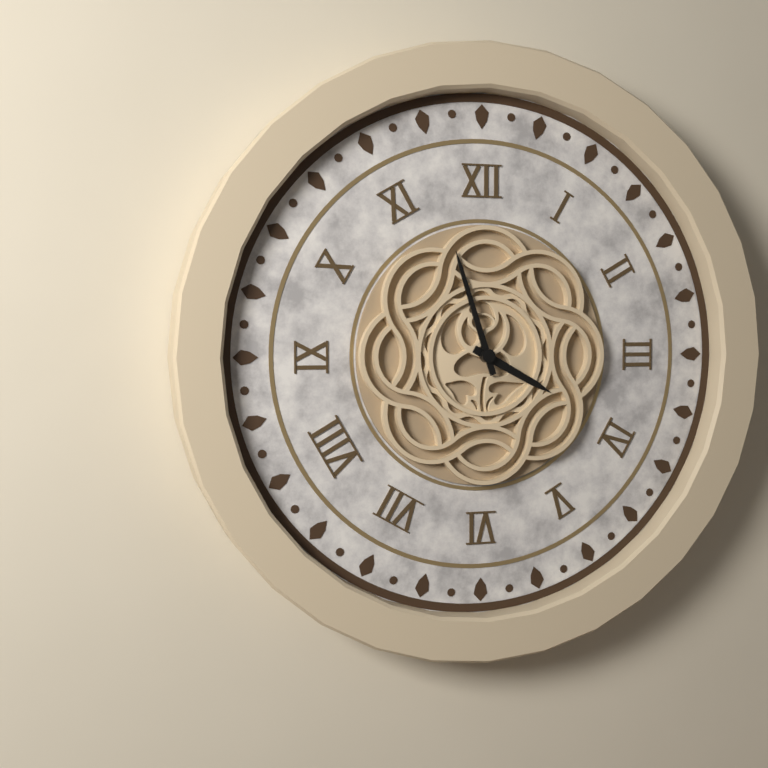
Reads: 3:57
